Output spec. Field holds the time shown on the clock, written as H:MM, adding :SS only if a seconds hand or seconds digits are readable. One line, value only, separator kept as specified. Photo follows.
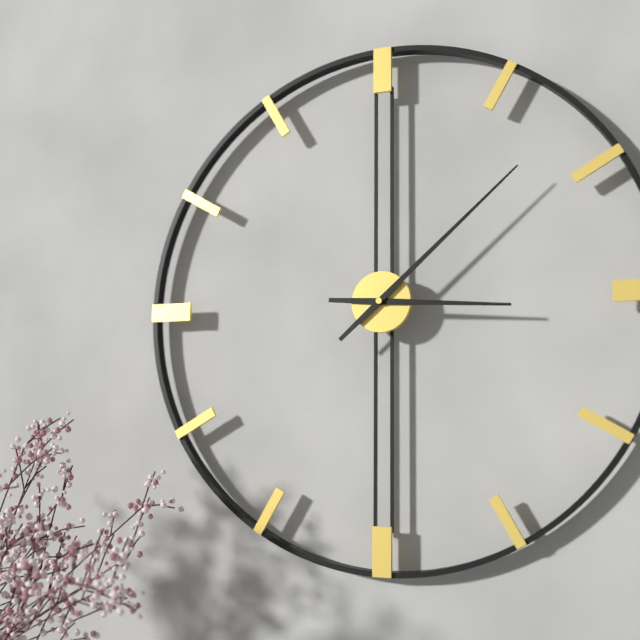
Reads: 3:08
